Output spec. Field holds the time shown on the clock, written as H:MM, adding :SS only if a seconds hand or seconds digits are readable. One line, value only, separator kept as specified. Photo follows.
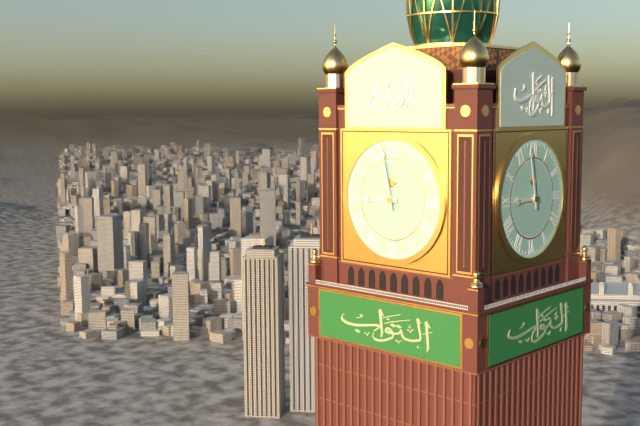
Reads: 8:58
